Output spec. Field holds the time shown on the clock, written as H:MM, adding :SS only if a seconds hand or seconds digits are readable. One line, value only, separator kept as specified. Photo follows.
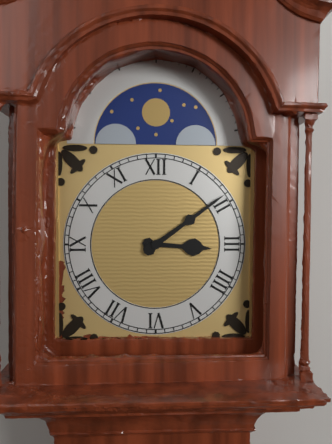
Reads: 3:09
